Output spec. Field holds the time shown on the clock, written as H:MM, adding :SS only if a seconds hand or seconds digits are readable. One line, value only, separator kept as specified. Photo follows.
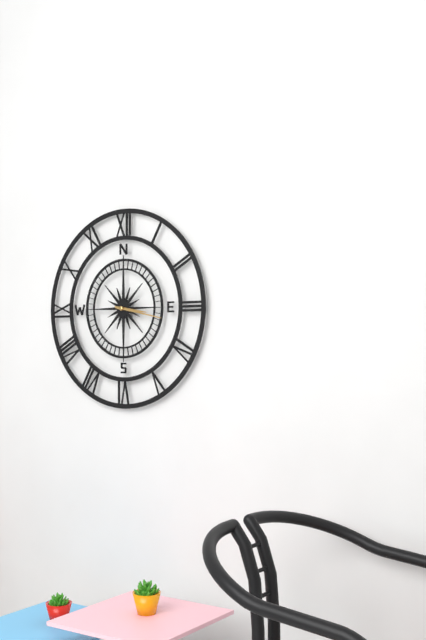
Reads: 3:17
